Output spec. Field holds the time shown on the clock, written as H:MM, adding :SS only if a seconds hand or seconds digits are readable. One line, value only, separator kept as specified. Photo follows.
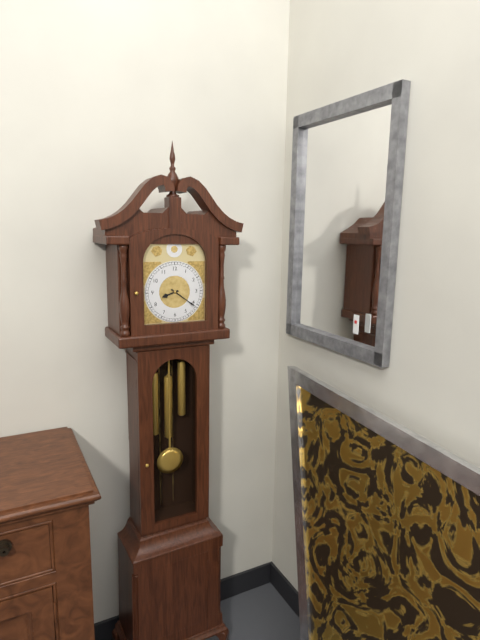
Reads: 8:21
